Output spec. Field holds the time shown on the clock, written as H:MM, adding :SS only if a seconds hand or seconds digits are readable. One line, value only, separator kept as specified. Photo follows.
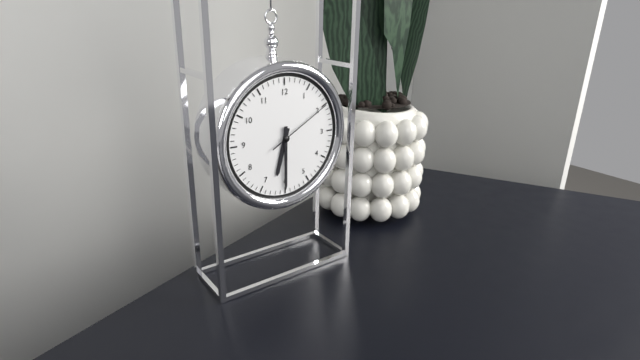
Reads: 6:30:10
